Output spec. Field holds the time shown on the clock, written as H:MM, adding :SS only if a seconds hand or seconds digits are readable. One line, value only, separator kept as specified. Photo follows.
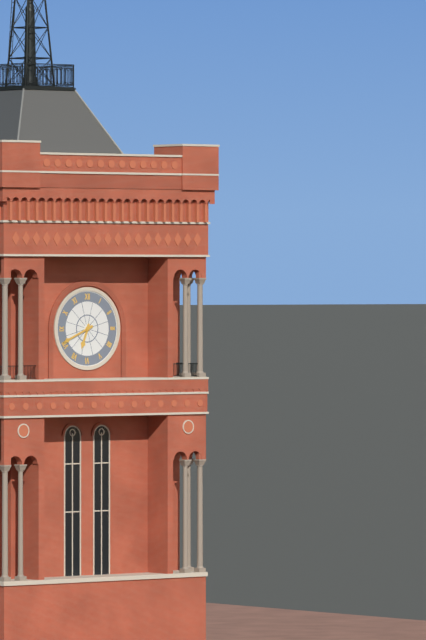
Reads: 6:41
